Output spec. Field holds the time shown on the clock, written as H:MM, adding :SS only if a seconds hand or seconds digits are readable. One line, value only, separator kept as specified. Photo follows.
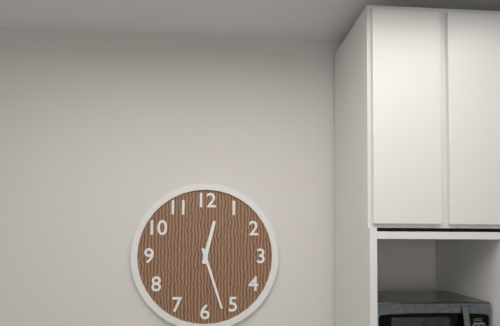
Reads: 12:27
